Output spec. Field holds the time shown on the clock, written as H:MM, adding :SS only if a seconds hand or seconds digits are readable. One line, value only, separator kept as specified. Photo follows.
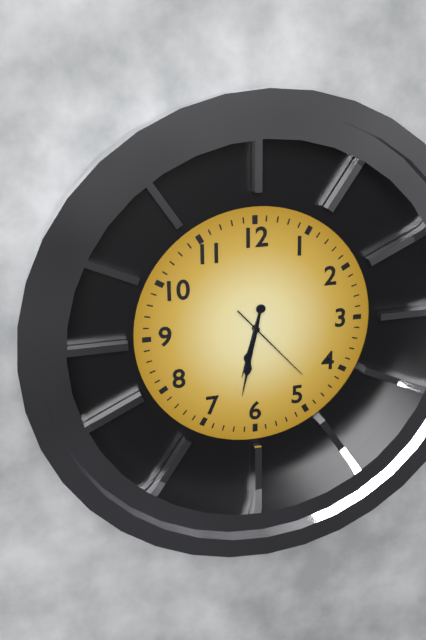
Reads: 6:32:23
